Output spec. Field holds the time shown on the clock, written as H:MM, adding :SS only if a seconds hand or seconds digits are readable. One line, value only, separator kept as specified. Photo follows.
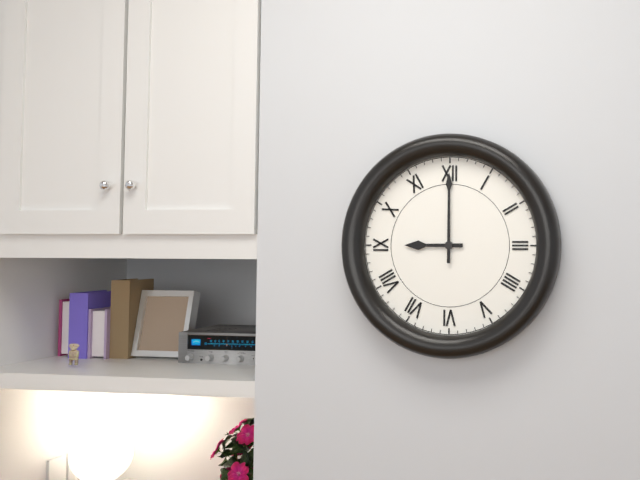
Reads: 9:00
